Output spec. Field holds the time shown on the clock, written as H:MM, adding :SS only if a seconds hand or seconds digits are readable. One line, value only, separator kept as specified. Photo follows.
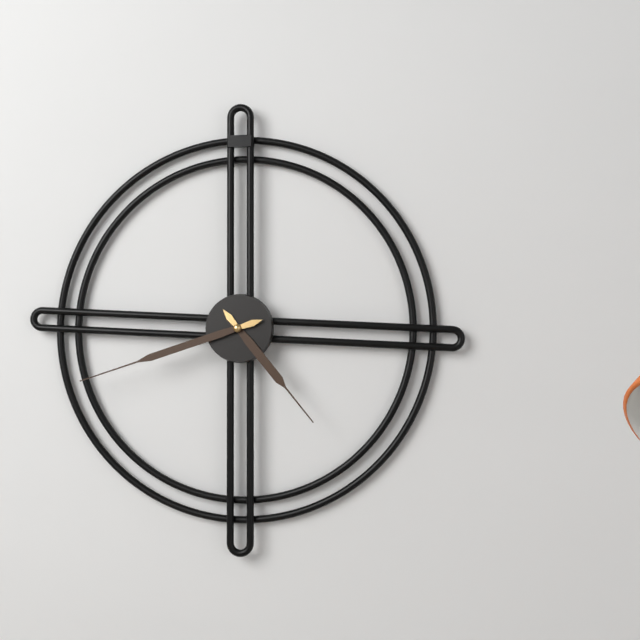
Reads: 4:42
